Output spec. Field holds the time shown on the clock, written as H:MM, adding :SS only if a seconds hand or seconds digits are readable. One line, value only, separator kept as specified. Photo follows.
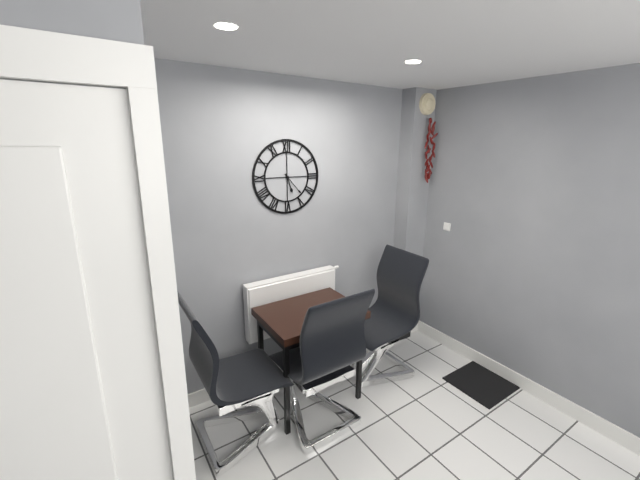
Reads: 5:23
